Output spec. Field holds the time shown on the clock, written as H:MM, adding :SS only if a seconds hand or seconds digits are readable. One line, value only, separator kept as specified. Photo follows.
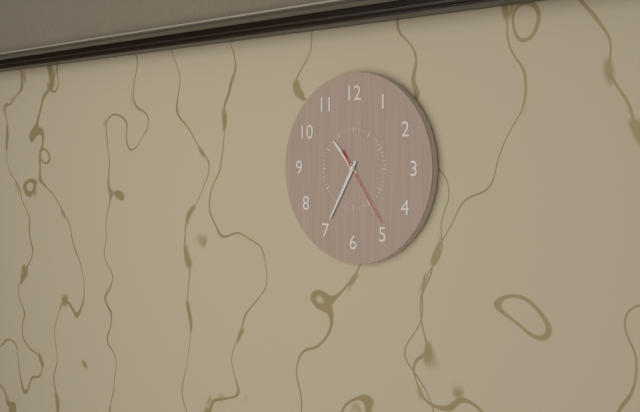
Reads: 10:35:24
